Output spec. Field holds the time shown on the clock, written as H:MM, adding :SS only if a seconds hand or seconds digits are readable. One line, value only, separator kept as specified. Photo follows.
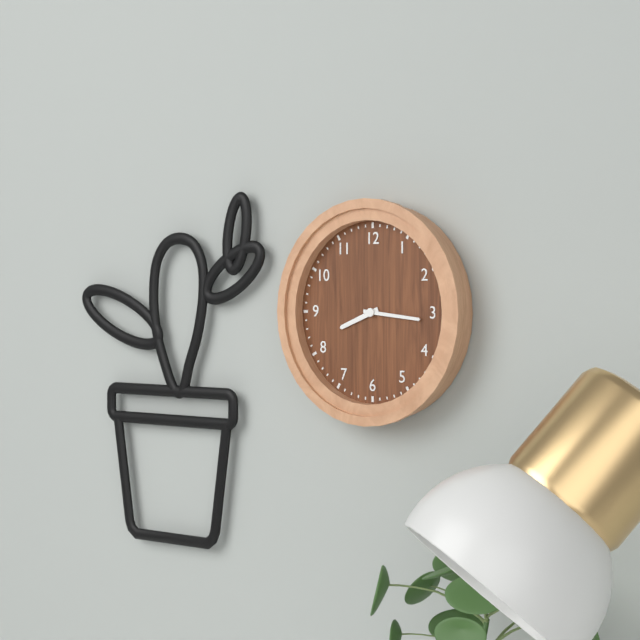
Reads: 8:16
